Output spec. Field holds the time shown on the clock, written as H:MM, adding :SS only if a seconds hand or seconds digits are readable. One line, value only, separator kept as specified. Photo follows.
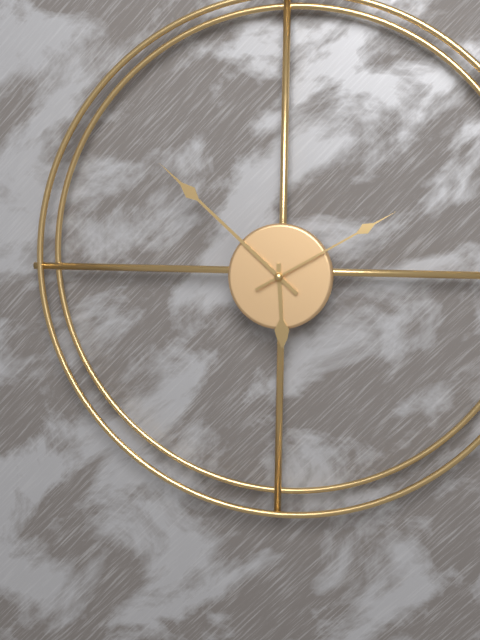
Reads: 5:52:10
